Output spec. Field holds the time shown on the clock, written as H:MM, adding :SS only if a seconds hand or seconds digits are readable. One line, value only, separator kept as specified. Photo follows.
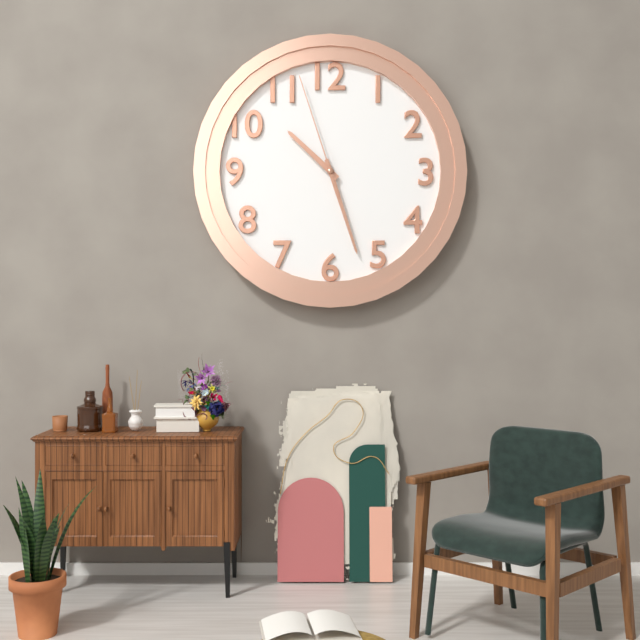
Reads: 10:27:57
